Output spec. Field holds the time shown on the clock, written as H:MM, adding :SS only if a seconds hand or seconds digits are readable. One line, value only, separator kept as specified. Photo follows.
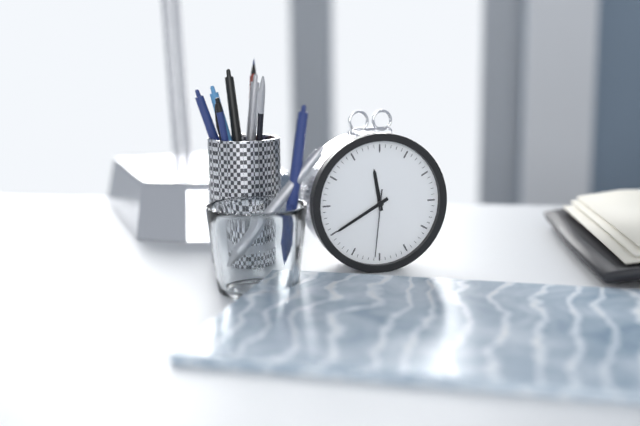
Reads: 11:40:31
